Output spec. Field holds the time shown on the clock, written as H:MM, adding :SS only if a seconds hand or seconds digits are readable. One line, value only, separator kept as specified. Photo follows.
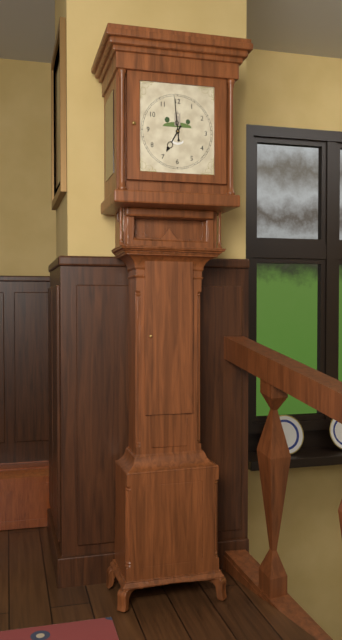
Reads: 6:59
